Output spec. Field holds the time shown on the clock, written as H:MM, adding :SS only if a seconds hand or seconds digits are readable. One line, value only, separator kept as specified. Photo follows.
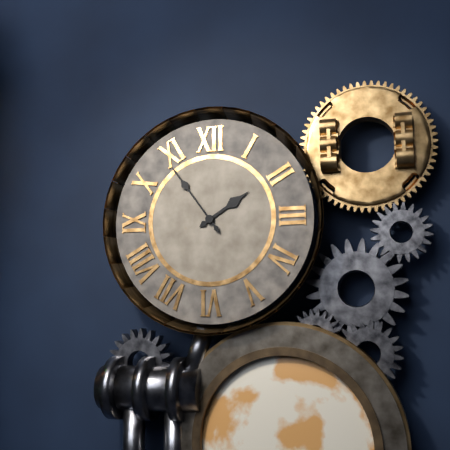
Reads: 1:54
